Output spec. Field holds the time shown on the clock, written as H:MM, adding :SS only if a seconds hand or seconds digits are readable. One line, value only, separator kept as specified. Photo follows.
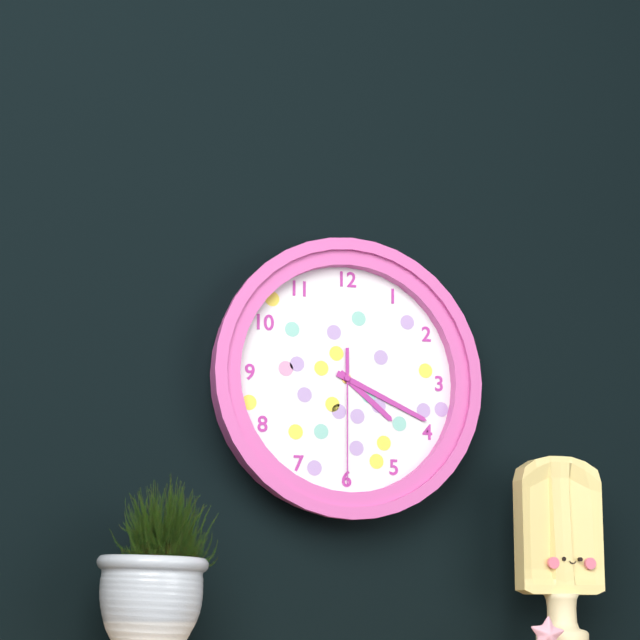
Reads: 4:19:30
